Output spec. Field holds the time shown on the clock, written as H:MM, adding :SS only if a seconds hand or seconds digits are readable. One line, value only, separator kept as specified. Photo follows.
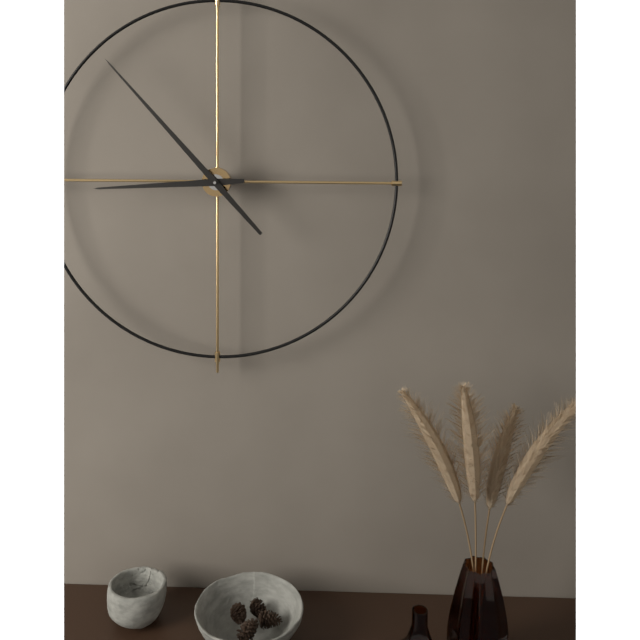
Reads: 8:53
